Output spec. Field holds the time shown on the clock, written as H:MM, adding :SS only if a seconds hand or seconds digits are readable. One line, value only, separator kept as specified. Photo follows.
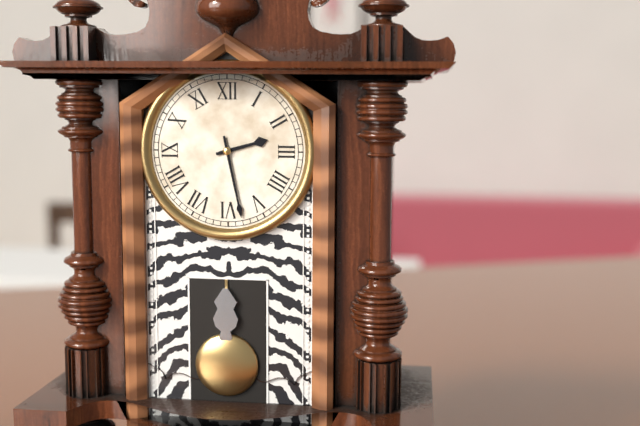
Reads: 2:28
